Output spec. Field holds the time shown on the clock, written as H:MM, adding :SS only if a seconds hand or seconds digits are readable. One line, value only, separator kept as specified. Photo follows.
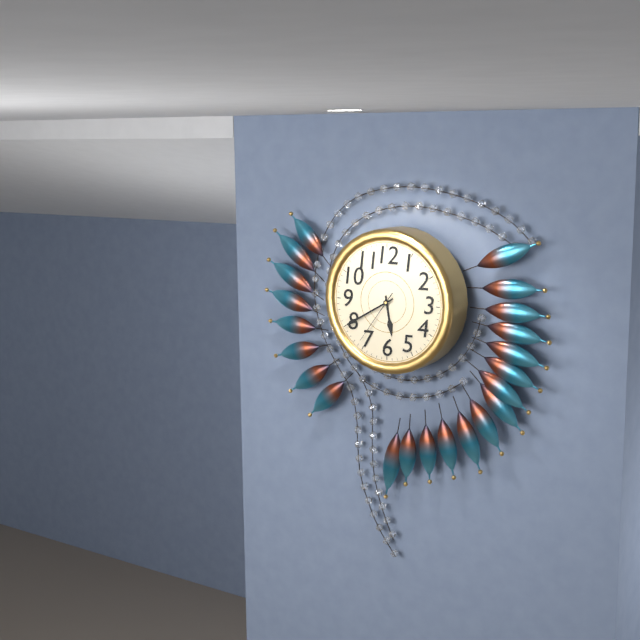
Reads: 5:40:36
